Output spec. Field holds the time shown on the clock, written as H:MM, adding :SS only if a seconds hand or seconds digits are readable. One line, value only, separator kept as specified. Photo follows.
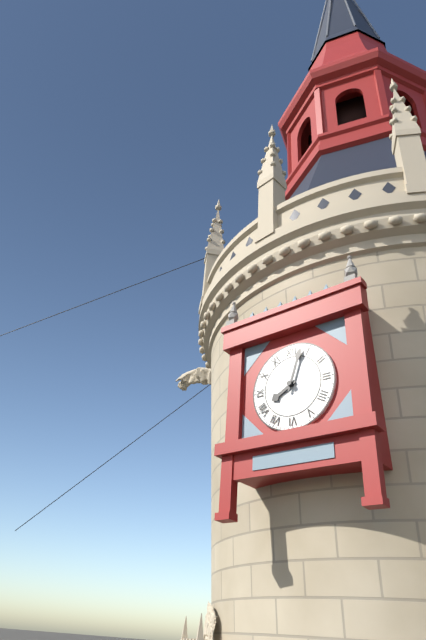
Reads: 8:03
